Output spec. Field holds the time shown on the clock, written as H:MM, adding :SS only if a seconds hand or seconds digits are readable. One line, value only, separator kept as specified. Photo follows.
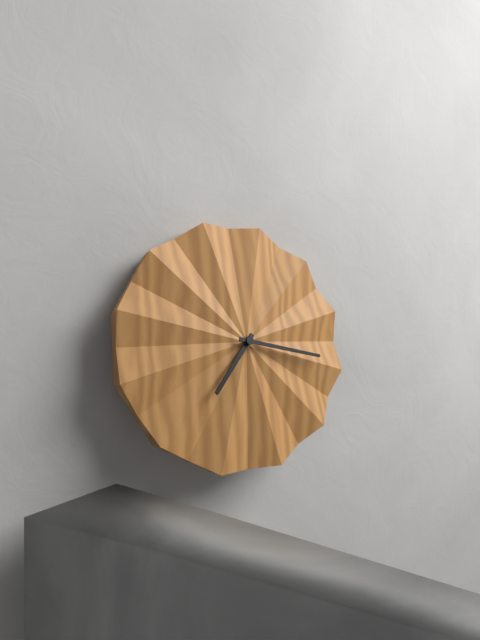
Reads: 7:17
